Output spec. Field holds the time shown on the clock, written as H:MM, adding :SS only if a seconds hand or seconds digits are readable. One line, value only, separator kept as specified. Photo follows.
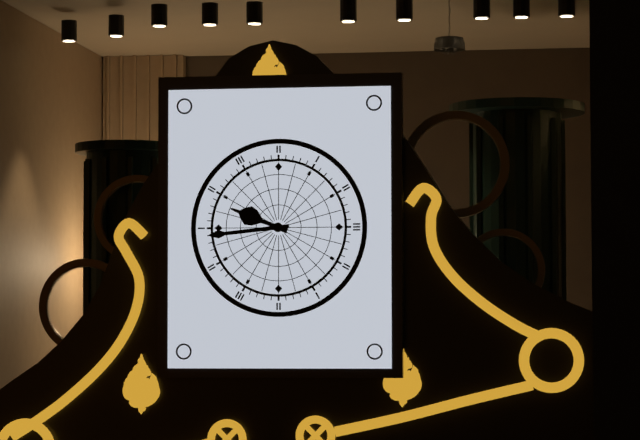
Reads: 9:44
